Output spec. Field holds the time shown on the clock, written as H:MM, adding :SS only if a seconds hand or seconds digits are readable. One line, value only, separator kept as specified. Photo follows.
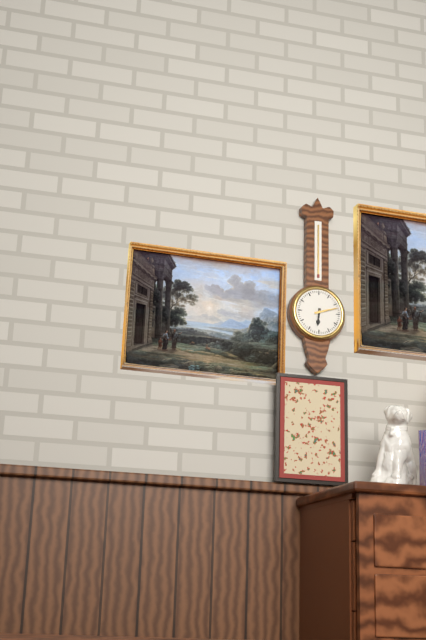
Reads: 6:12
